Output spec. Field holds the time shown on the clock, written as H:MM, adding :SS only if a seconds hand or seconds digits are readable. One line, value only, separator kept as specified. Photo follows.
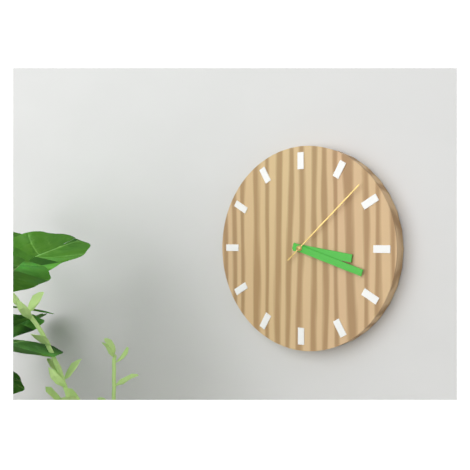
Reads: 3:18:08
